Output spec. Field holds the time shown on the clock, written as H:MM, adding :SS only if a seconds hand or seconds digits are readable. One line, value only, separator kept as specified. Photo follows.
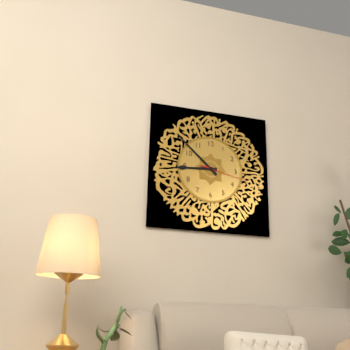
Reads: 8:52
